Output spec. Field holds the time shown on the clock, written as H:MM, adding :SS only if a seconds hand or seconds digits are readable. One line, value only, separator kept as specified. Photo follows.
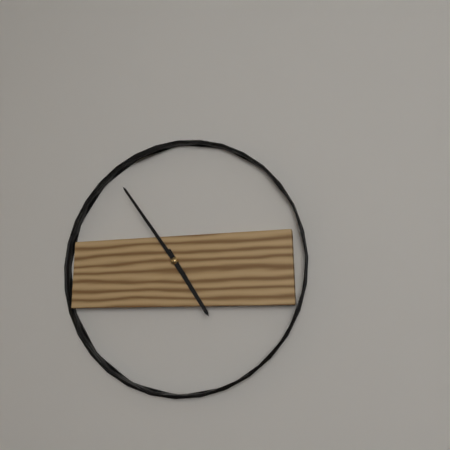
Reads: 4:54
